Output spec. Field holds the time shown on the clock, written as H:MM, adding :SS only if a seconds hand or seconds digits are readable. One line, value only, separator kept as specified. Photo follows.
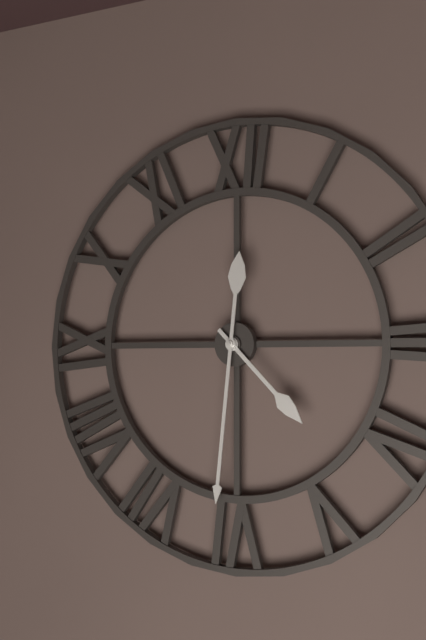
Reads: 4:31
